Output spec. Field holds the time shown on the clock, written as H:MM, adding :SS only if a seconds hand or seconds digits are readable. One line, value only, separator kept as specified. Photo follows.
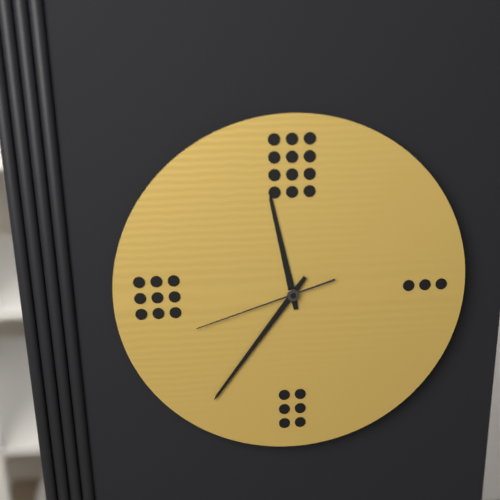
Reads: 11:36:42
